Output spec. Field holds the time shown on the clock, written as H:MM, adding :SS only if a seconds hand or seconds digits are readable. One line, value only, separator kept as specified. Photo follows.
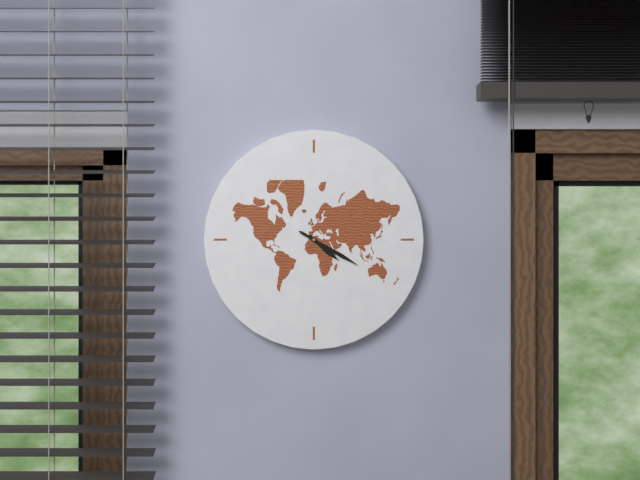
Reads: 4:20
